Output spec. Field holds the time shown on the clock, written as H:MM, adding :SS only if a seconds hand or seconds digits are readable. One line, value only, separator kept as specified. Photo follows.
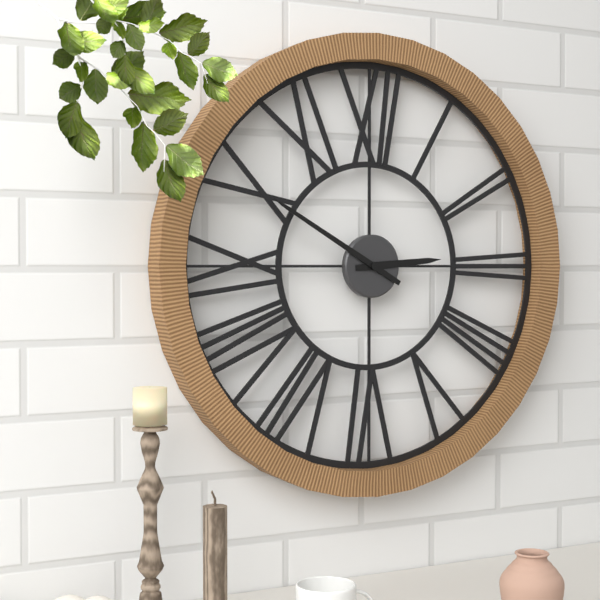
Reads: 2:50
